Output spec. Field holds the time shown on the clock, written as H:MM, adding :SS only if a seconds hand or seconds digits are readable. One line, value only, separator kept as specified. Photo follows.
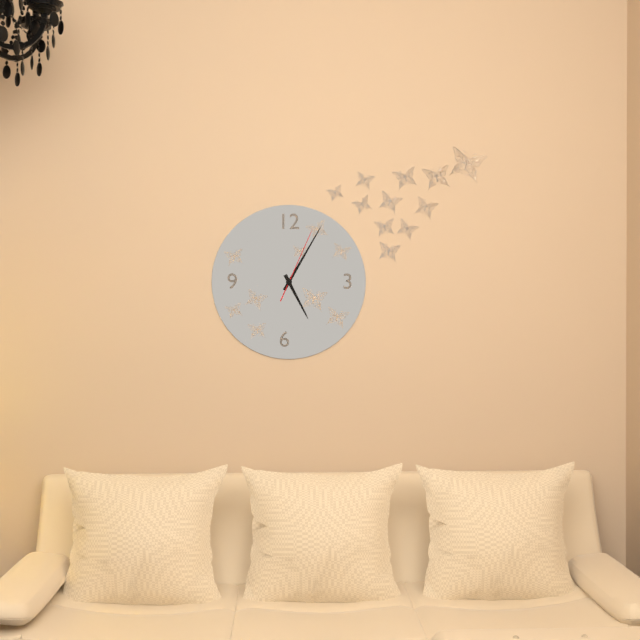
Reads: 5:05:04
